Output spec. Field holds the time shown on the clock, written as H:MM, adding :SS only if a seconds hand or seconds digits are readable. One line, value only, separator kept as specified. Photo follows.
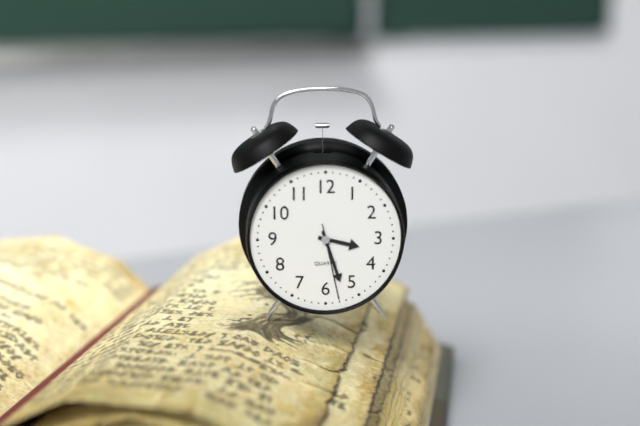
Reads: 3:27:28
